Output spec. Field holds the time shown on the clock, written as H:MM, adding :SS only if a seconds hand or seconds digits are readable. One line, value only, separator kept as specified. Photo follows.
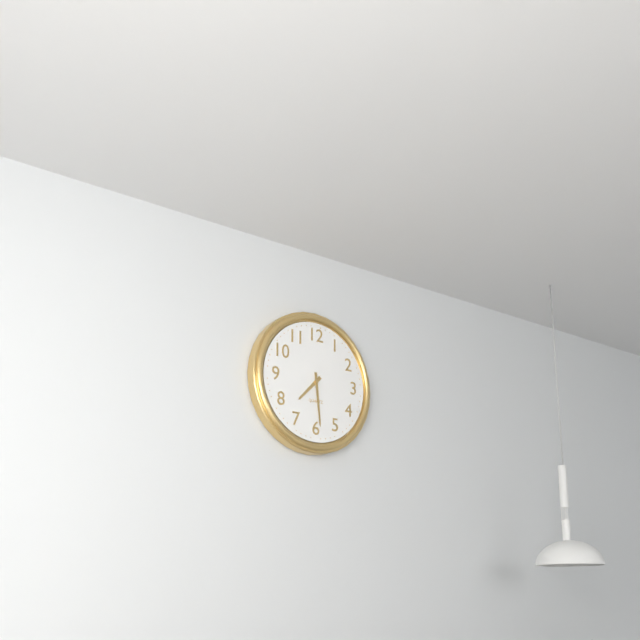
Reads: 7:29
